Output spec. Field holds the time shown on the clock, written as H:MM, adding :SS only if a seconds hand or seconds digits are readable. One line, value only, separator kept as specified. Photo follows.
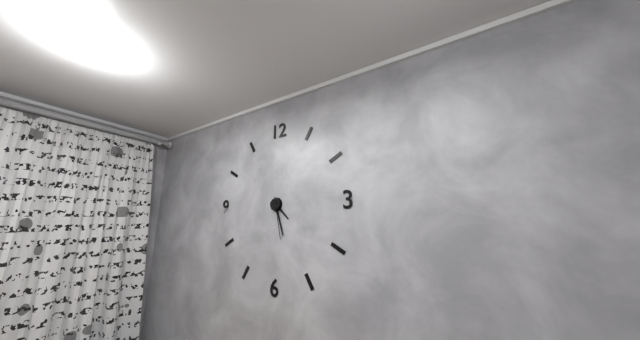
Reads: 4:27
